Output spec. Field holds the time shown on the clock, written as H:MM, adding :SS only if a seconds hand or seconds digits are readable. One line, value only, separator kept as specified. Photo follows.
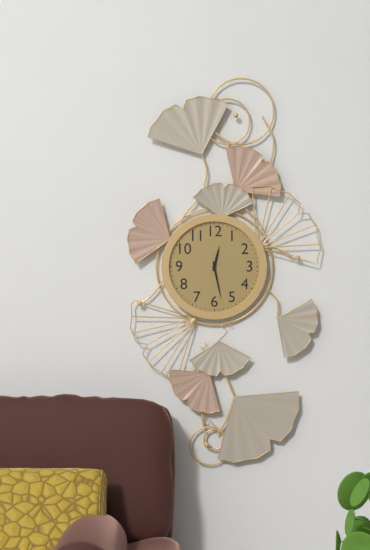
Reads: 12:28
